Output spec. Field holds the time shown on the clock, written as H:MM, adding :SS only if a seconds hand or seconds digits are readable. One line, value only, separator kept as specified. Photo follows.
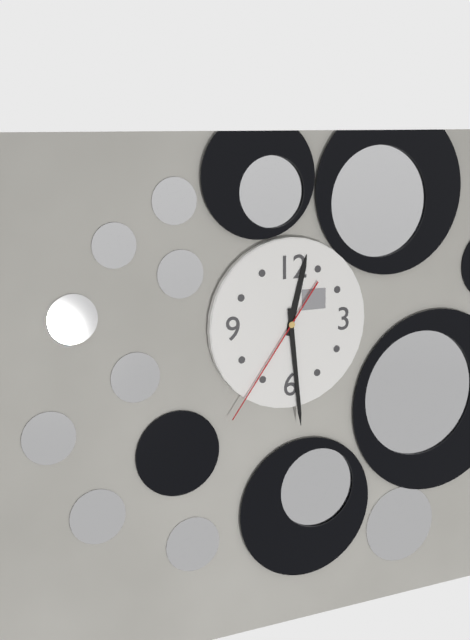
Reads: 12:29:36
